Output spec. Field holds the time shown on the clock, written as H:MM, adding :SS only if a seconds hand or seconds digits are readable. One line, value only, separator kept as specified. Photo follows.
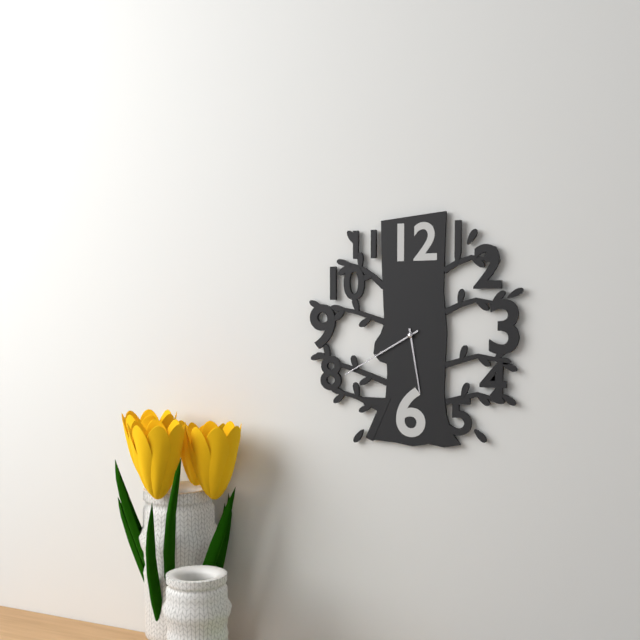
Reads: 5:40
